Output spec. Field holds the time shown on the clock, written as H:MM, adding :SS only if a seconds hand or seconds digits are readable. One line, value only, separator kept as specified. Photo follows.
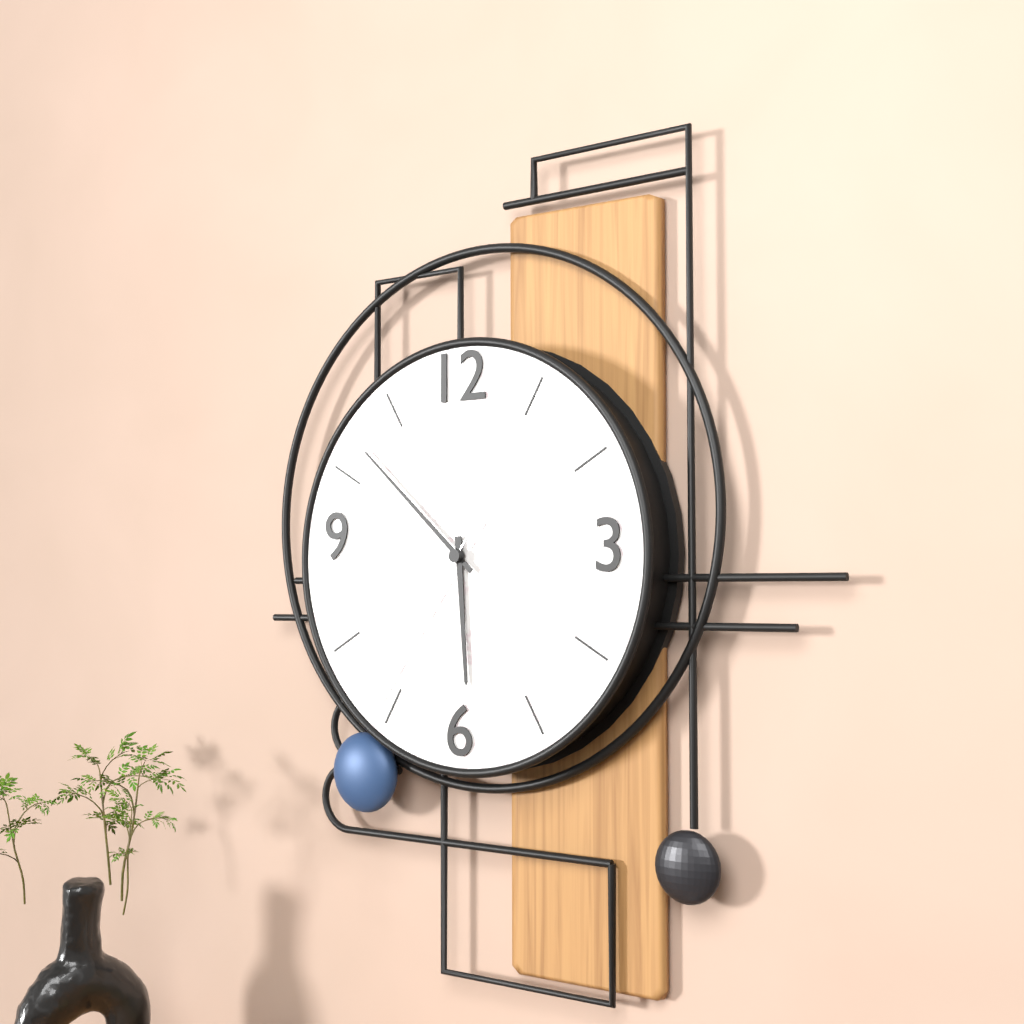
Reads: 5:52:36
